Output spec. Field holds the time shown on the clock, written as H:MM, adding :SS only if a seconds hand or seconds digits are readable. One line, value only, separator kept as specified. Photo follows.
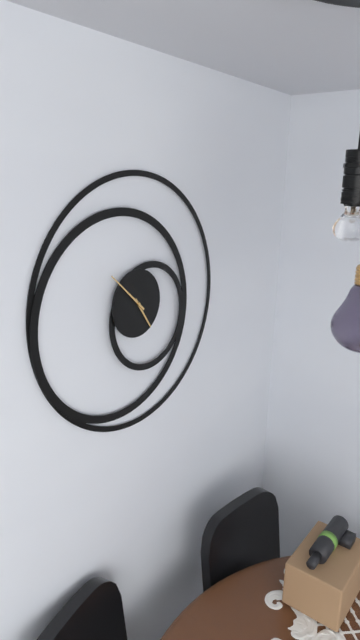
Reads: 4:52
